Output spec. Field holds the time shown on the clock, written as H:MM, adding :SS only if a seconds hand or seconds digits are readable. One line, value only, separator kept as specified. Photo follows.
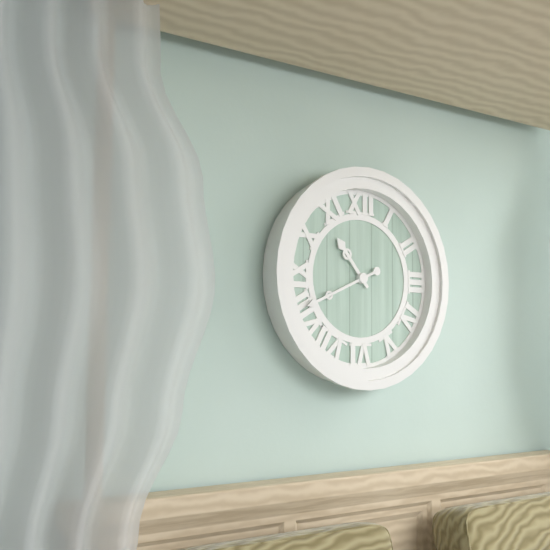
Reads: 10:41
